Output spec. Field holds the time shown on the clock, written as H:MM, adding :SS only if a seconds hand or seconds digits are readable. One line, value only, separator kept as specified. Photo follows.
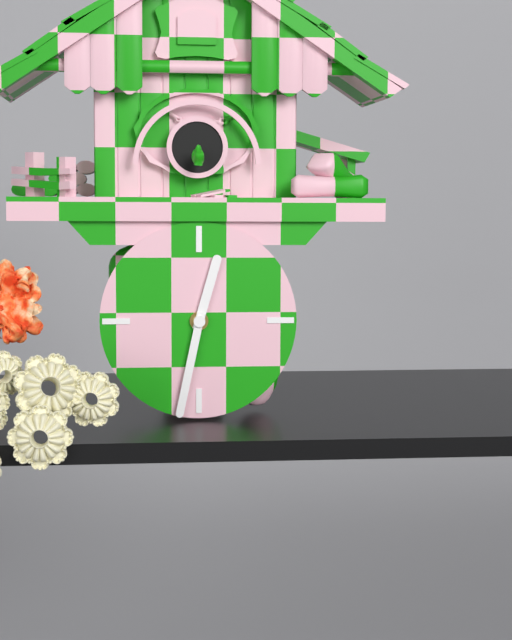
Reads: 12:32
